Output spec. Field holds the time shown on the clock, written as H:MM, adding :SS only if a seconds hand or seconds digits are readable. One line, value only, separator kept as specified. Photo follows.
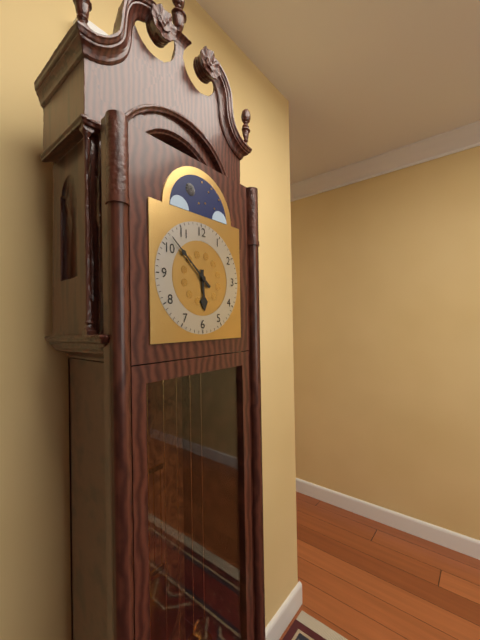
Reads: 5:52
